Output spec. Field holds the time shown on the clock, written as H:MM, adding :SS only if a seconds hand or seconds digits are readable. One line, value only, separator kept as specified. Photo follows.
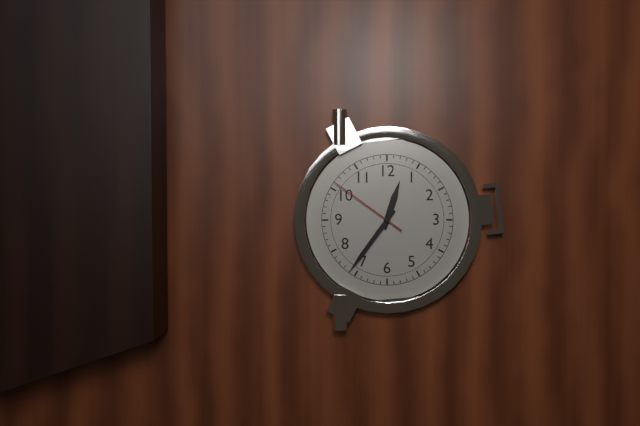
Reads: 12:36:51
